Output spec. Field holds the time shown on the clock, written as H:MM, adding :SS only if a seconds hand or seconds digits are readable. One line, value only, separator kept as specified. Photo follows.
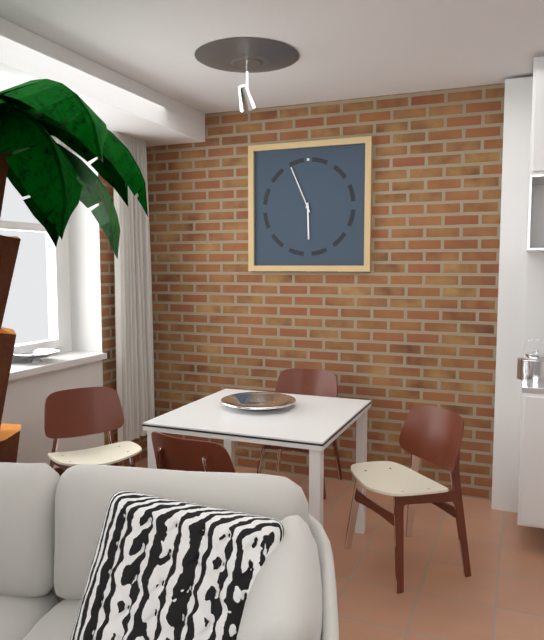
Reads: 5:56
